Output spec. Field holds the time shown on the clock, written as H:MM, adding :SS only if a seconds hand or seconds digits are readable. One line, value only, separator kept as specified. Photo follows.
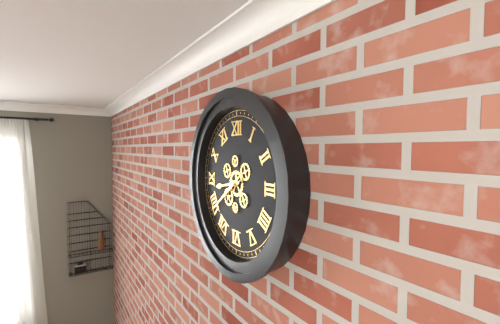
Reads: 8:39
